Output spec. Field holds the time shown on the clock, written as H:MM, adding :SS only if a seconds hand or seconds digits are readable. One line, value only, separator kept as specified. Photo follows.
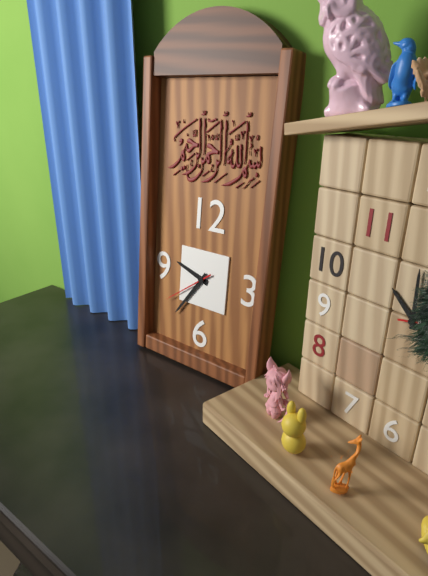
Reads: 9:36
